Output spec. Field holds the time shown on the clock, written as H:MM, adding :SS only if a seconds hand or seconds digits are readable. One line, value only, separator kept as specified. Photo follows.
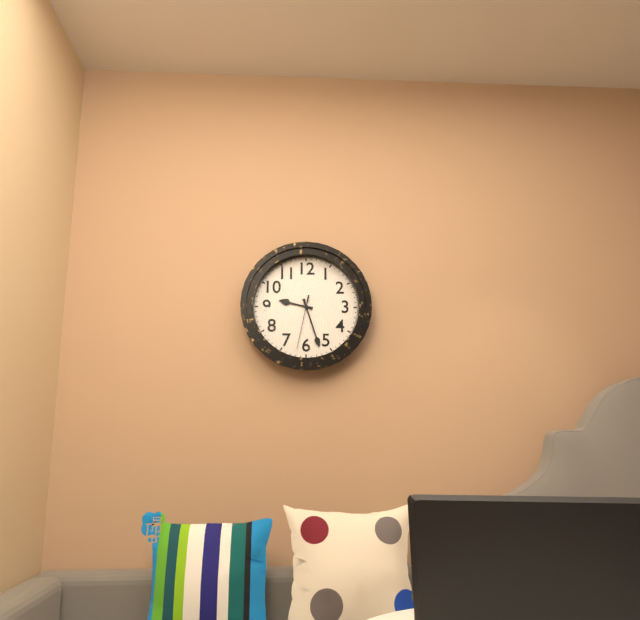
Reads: 9:27:32
